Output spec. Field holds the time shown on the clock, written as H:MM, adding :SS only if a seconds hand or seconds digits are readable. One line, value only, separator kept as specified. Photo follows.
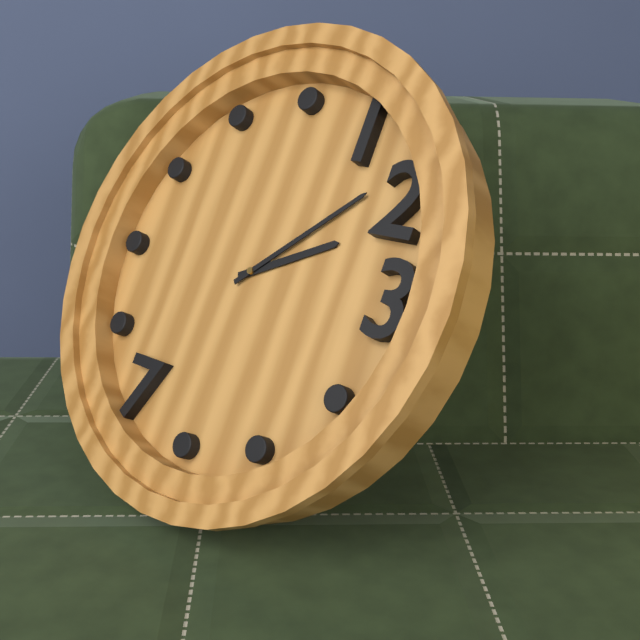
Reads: 2:08
